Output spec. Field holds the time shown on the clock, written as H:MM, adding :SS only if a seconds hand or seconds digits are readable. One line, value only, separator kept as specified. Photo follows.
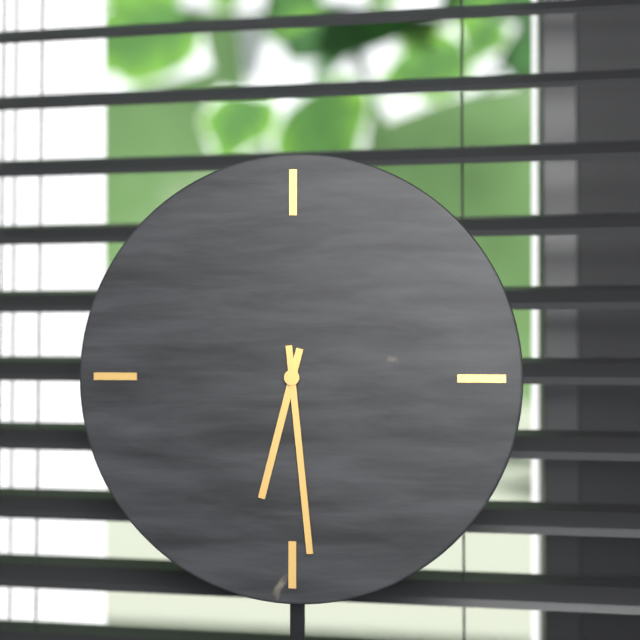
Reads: 6:29
